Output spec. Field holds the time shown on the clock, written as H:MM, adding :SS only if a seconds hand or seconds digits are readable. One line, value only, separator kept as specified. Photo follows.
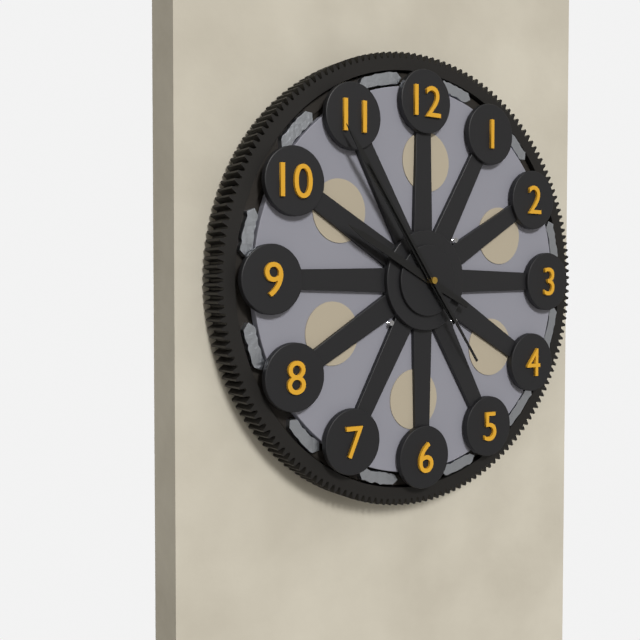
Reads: 9:54:54
